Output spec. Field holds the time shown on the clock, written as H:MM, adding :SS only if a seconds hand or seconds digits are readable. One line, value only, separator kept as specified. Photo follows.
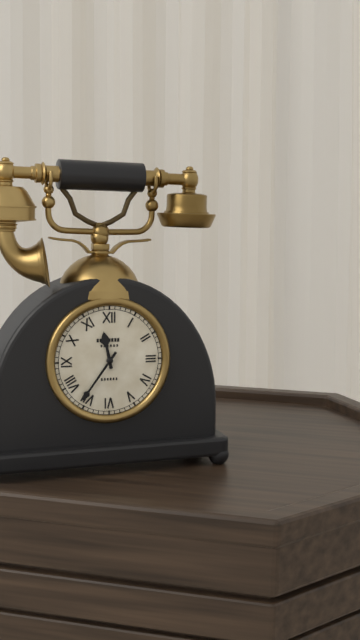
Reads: 11:36
